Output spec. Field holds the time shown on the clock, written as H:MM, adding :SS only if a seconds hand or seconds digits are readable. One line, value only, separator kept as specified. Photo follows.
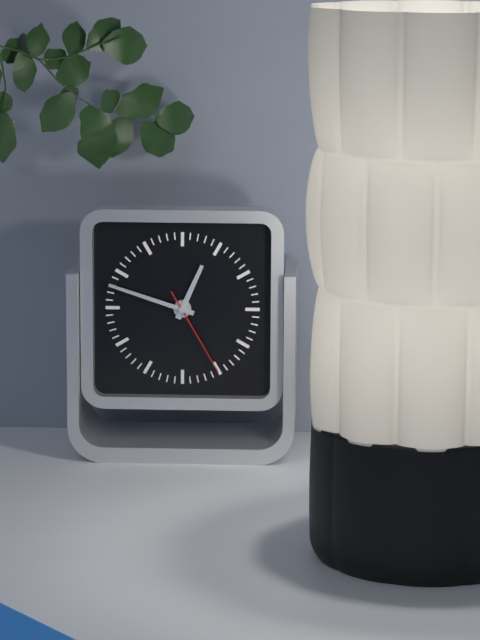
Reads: 12:48:25
